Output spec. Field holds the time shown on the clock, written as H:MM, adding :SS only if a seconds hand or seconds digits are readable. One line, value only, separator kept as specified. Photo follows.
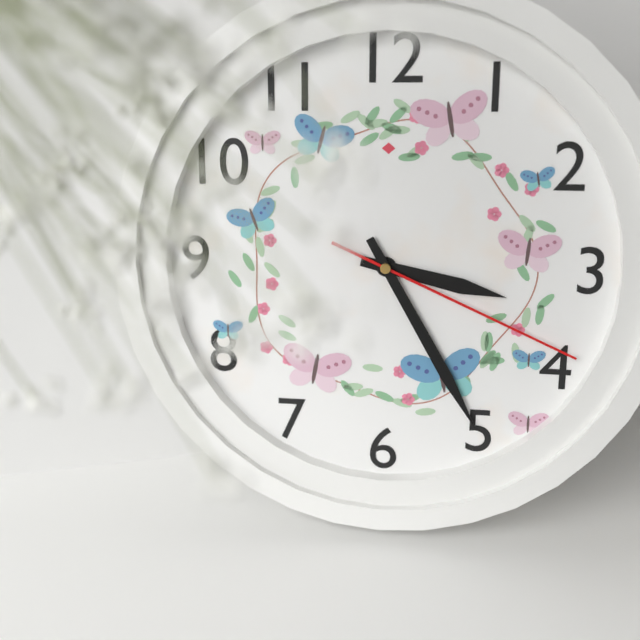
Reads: 3:25:19
